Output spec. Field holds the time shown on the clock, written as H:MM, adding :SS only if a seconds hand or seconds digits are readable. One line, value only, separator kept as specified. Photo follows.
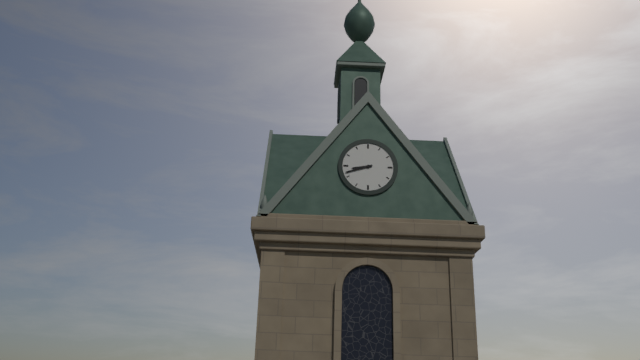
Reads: 8:42
